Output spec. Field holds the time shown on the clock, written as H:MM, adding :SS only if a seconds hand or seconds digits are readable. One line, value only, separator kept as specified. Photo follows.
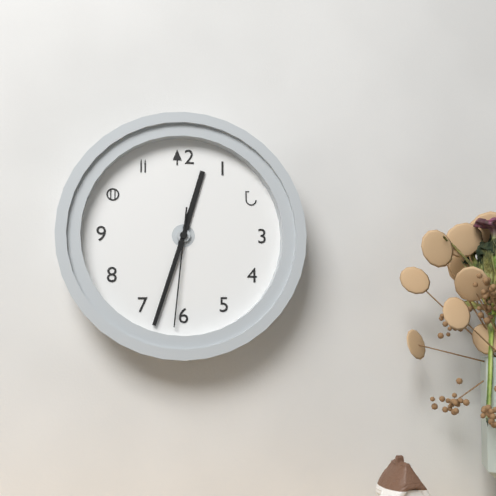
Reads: 12:33:31
